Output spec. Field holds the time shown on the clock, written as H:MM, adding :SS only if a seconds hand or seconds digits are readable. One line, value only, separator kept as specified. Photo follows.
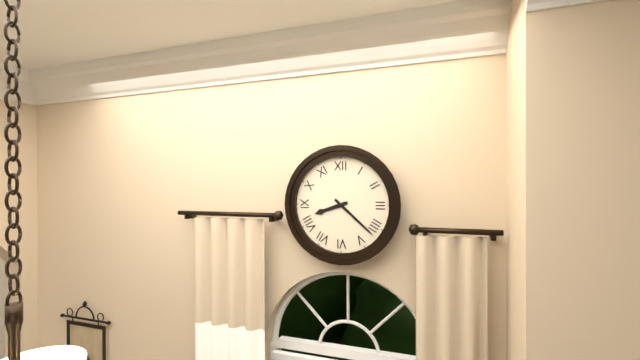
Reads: 8:22
